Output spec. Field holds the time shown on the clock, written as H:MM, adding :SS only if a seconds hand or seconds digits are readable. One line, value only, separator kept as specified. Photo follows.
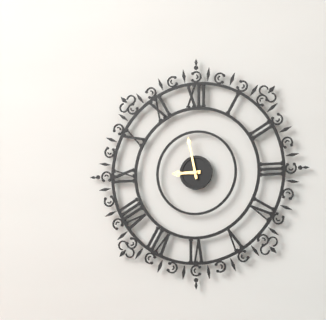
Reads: 8:58
